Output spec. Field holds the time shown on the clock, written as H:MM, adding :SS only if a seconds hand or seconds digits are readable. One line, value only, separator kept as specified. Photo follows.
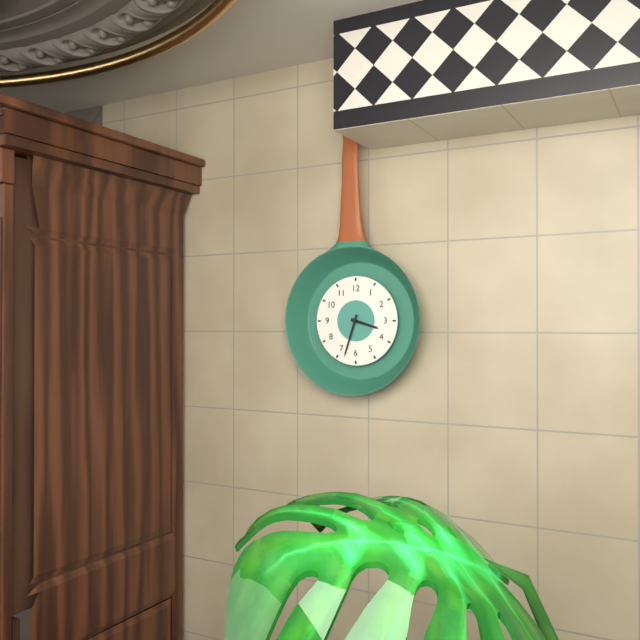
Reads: 3:33
